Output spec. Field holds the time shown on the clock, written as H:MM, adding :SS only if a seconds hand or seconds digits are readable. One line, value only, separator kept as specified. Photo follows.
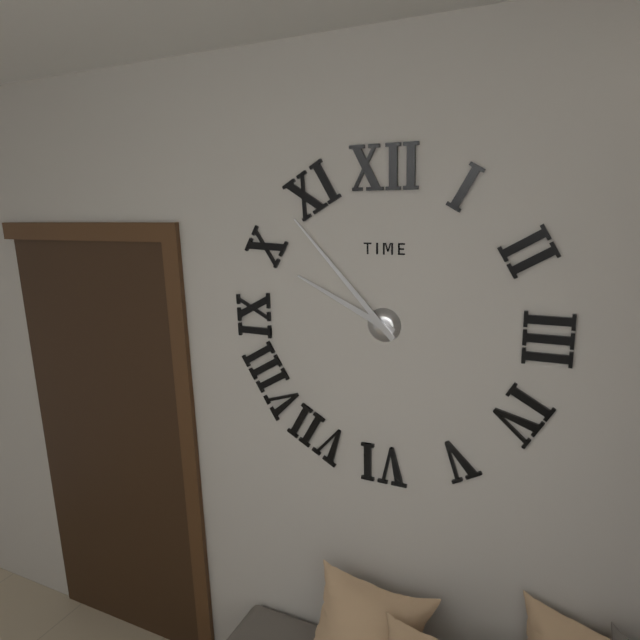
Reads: 9:53
